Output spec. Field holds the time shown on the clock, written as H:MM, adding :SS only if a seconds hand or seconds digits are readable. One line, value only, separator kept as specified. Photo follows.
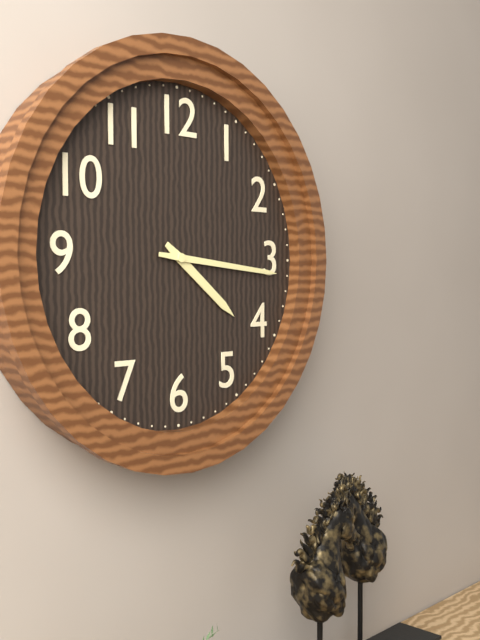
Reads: 4:16
